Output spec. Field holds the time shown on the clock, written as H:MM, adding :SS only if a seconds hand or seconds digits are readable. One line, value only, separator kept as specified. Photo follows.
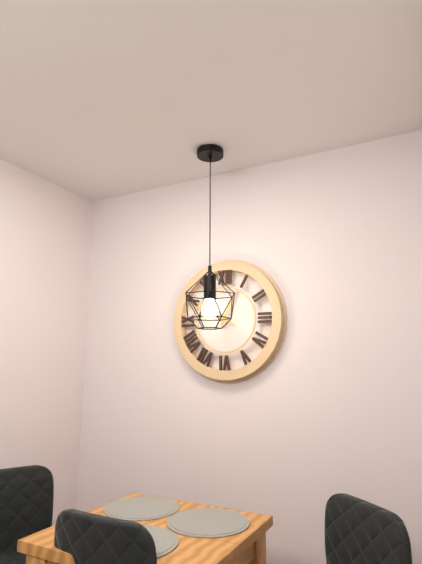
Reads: 12:49
